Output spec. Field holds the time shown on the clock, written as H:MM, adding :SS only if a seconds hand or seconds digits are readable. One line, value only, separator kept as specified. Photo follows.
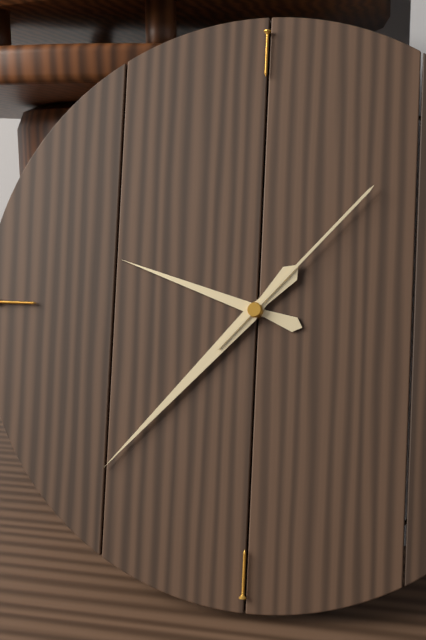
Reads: 9:37:07
